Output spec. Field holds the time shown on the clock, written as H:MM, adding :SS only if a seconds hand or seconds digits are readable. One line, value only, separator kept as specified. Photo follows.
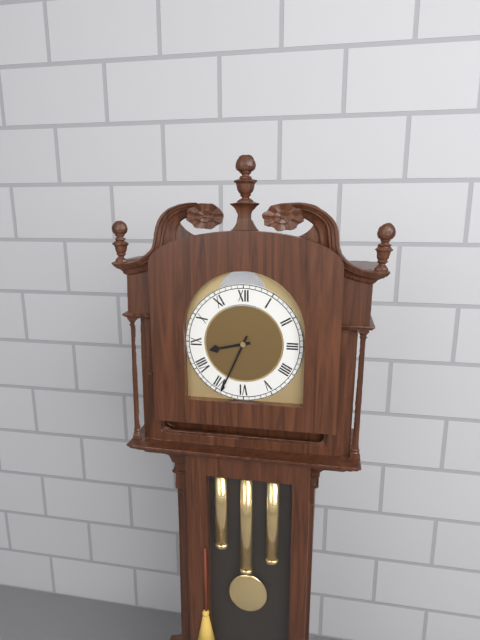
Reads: 8:34
